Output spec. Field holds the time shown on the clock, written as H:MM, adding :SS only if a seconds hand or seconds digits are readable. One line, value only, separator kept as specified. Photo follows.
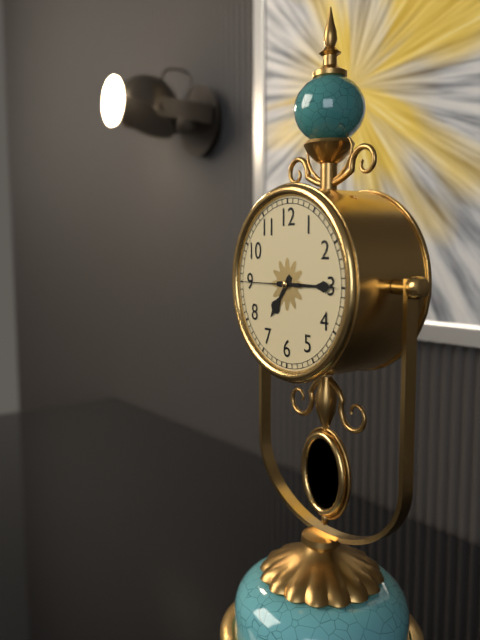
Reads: 7:15:45
